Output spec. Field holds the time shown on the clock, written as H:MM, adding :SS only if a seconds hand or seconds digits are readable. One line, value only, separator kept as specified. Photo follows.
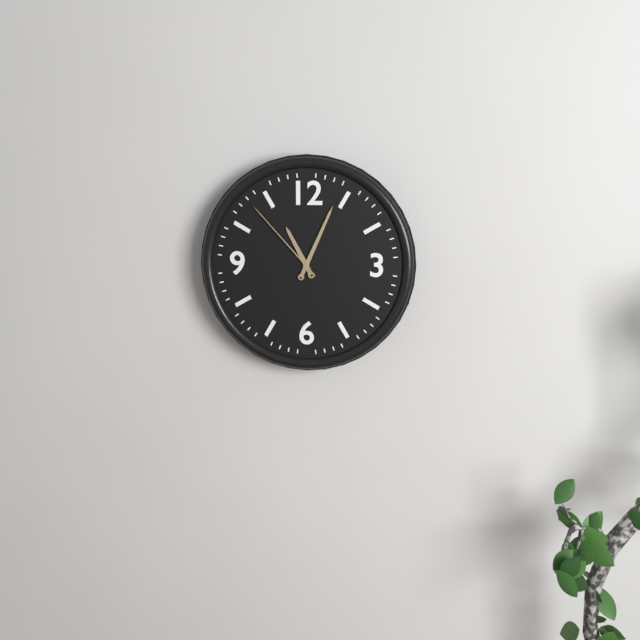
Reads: 11:04:53
